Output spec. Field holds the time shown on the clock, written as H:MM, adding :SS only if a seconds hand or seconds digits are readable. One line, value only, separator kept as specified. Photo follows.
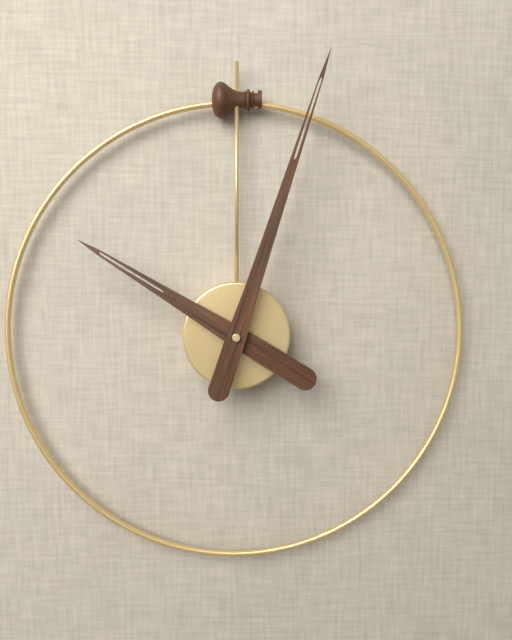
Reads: 10:03
